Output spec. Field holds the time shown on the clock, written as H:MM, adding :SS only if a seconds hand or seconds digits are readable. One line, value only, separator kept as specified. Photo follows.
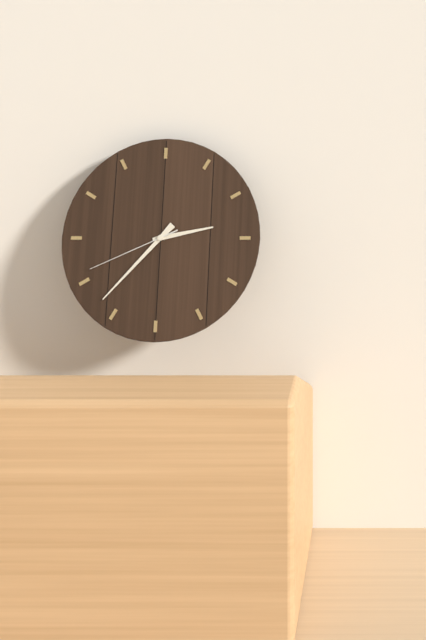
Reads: 2:37:41
